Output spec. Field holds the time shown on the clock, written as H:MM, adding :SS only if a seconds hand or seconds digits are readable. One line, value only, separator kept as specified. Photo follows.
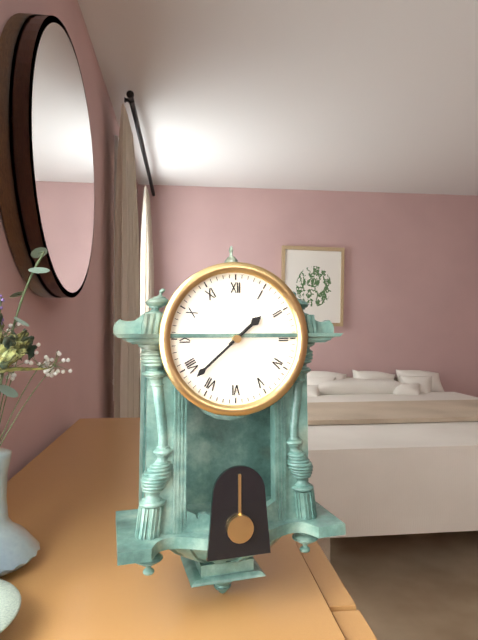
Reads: 1:38
